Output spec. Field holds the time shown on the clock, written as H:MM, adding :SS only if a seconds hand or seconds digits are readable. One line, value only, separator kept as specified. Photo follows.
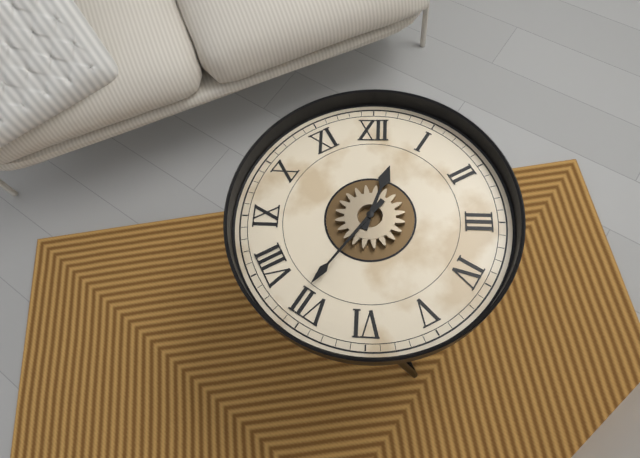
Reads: 12:36
